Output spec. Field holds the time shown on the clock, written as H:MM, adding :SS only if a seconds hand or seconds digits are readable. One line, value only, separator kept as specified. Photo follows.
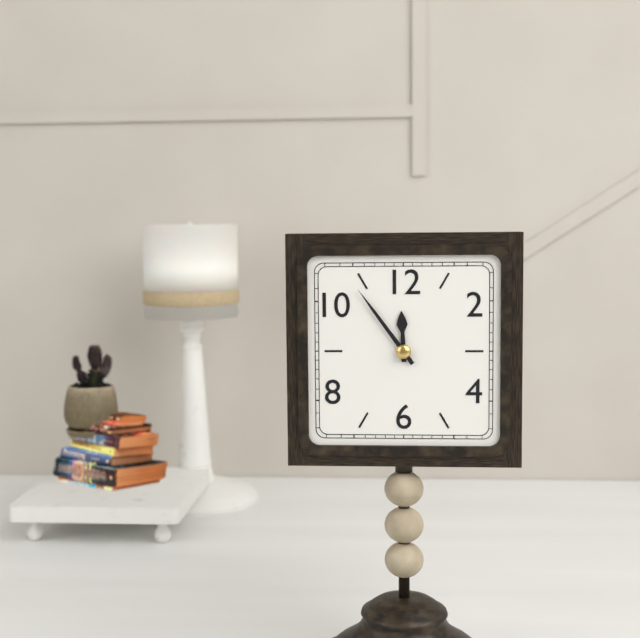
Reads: 11:54
